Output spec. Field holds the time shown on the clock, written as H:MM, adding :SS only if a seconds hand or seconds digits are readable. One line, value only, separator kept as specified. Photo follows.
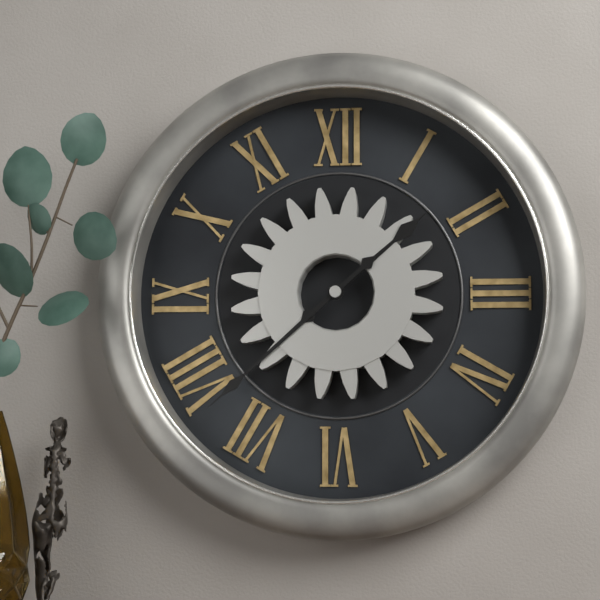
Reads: 1:38
